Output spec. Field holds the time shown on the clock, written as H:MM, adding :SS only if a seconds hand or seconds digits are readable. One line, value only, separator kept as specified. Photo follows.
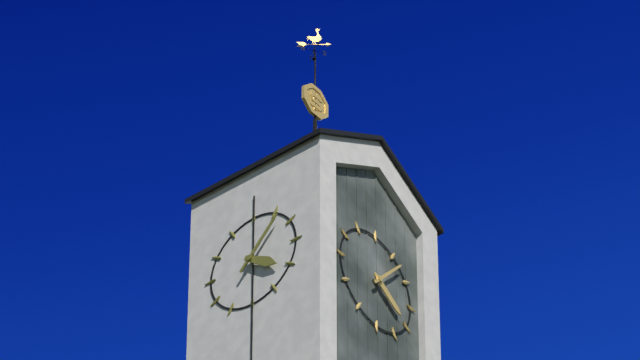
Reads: 4:07
